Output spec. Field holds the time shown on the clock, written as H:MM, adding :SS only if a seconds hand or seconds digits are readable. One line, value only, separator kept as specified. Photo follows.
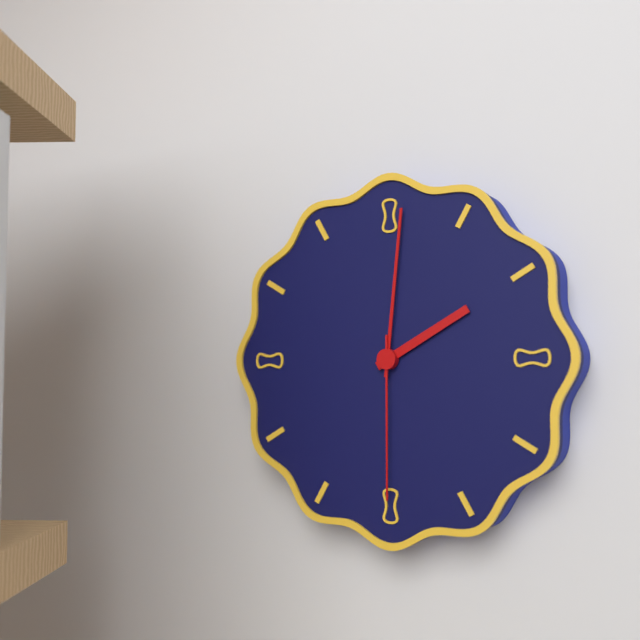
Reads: 2:01:30
